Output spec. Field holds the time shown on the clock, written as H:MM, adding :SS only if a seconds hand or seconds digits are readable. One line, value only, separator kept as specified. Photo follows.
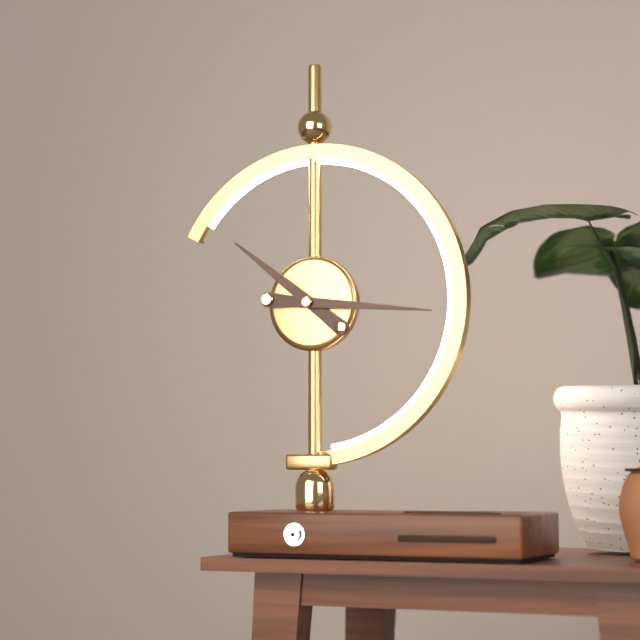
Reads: 10:16
